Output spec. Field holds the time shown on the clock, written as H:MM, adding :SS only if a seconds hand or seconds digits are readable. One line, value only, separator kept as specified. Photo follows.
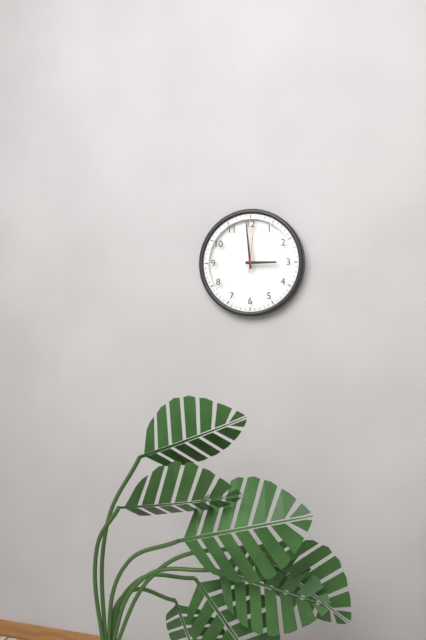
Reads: 2:59:01
